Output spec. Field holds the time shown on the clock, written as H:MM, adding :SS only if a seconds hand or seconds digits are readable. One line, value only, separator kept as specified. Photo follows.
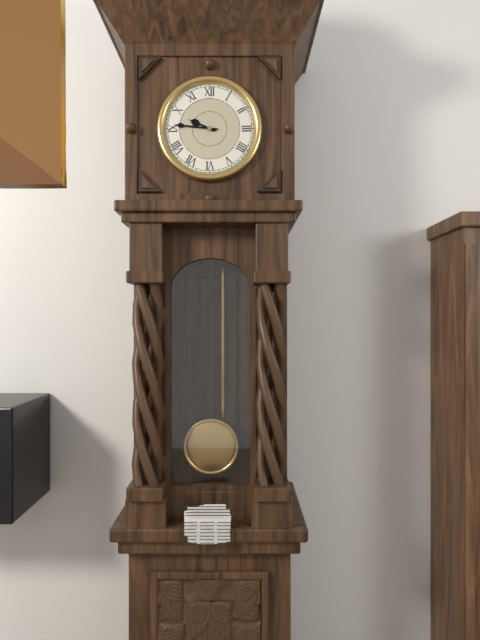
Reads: 9:46
